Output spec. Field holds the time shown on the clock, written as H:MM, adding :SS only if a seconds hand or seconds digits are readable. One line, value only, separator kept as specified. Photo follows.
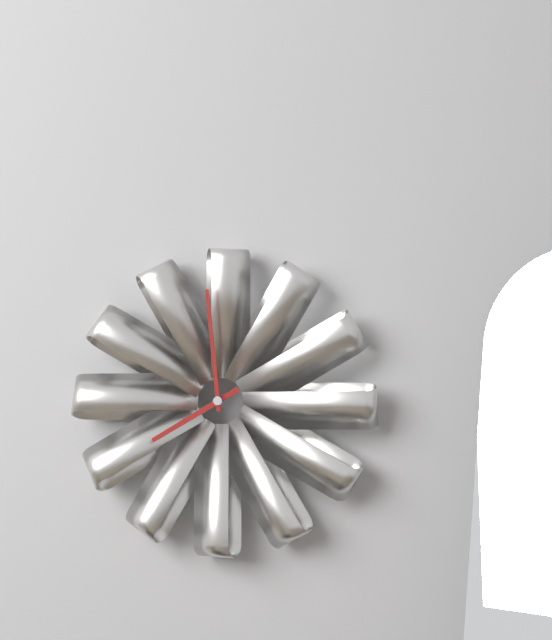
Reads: 7:59
